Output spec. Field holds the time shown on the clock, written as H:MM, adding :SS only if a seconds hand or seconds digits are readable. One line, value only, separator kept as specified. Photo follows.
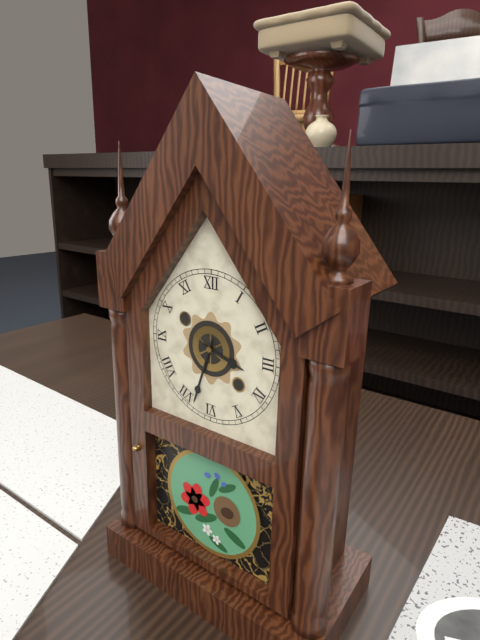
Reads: 3:33
